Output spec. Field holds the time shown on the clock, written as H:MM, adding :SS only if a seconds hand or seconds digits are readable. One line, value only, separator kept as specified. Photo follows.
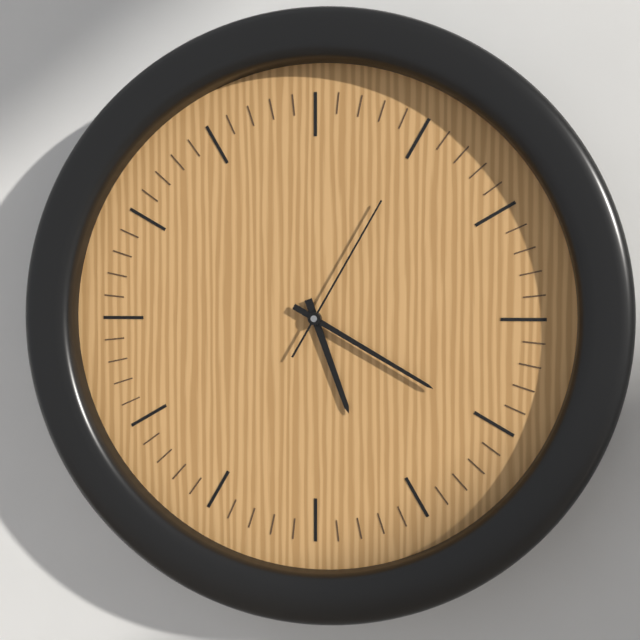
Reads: 5:20:05
